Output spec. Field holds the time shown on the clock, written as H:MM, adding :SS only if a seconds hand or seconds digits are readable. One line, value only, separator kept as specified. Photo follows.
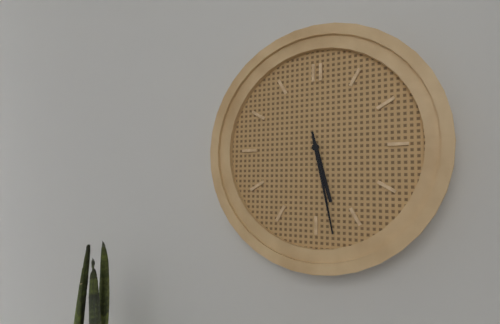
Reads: 5:28
